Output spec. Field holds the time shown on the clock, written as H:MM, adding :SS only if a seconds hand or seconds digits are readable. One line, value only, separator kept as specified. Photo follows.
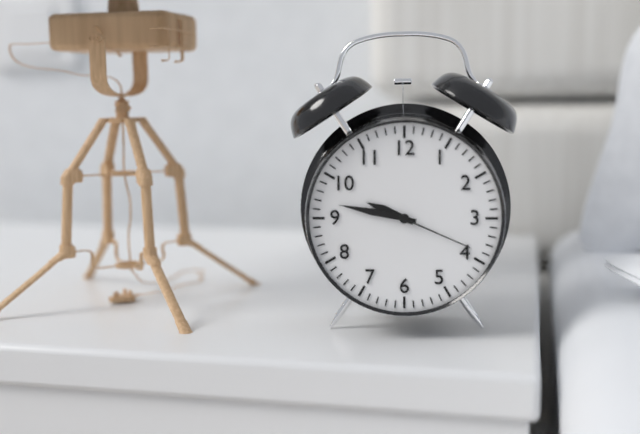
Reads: 9:47:19
